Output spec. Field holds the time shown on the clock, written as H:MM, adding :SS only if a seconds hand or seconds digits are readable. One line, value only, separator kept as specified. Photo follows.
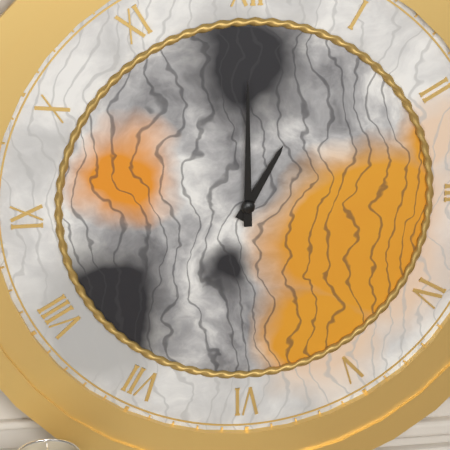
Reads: 1:00
